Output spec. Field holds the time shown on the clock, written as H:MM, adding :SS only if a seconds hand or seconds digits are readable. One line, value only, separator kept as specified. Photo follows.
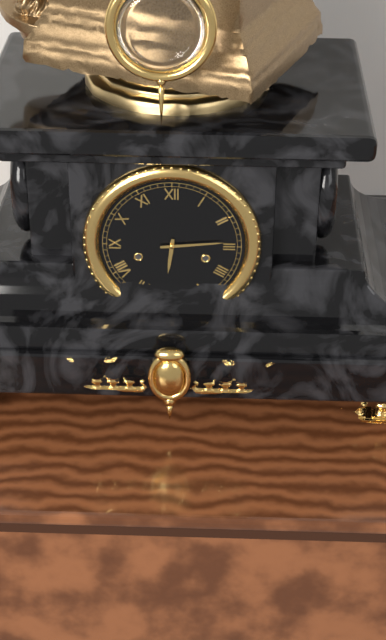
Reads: 6:14
